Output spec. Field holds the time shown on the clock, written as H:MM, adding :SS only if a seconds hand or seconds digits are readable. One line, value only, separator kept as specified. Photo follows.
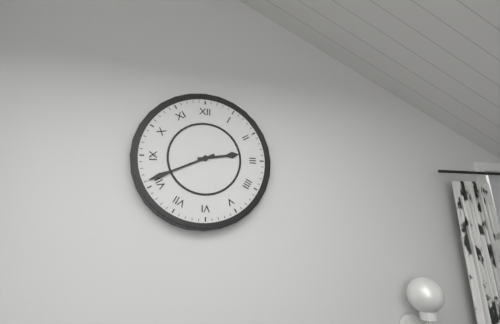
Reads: 2:41
